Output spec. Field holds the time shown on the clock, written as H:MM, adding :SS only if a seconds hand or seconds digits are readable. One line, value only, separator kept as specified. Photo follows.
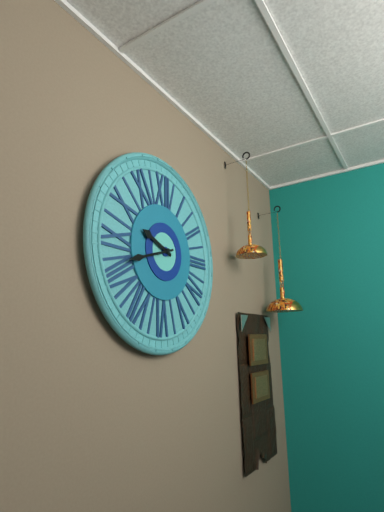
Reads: 9:42
